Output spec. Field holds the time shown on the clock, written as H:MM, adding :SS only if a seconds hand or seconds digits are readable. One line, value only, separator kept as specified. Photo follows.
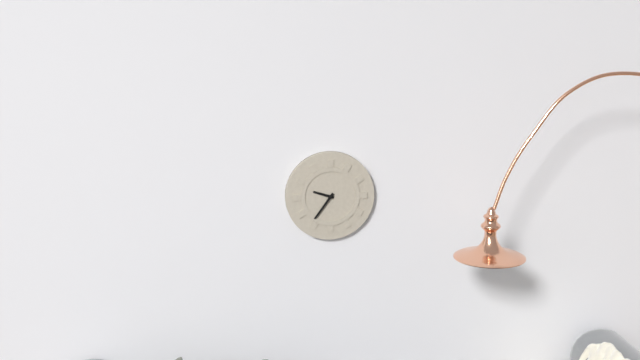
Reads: 9:36
